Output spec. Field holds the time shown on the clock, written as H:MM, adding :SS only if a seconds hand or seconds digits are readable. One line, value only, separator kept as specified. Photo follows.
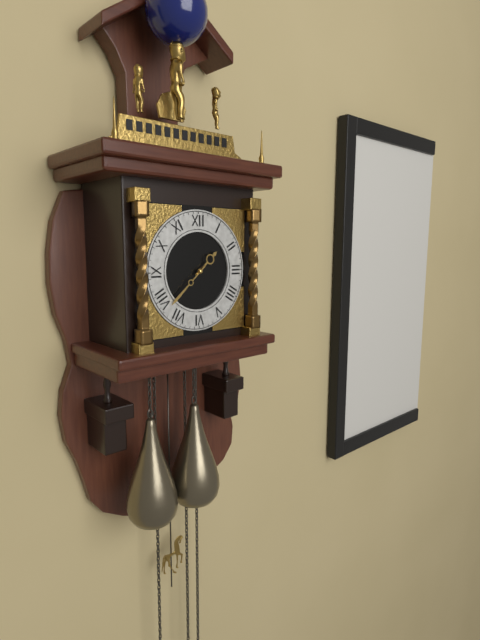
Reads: 1:38
